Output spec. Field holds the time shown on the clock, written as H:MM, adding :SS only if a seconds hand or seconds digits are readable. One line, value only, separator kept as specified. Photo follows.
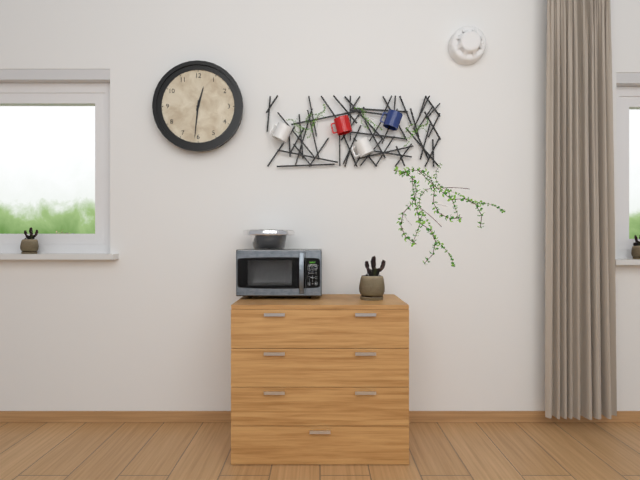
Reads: 12:31
